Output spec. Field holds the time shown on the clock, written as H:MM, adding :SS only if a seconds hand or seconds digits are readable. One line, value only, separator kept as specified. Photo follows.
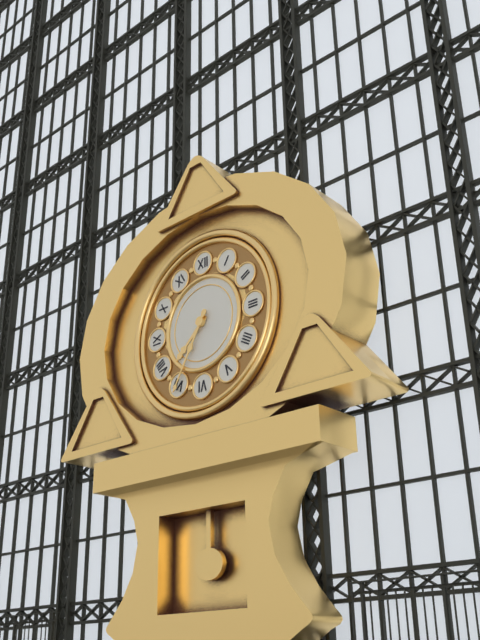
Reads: 7:35
